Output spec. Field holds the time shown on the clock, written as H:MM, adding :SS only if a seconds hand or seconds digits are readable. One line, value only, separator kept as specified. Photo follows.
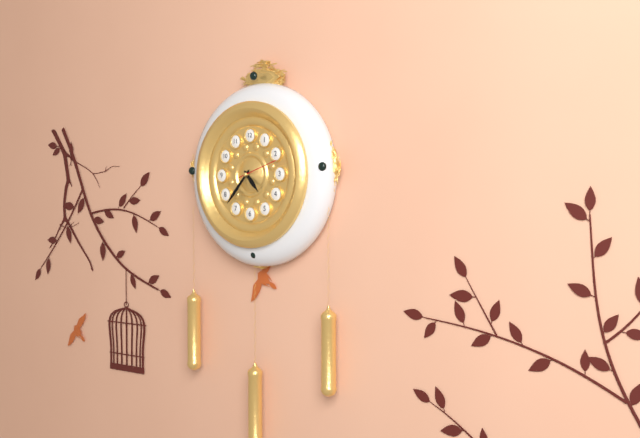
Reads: 4:37
